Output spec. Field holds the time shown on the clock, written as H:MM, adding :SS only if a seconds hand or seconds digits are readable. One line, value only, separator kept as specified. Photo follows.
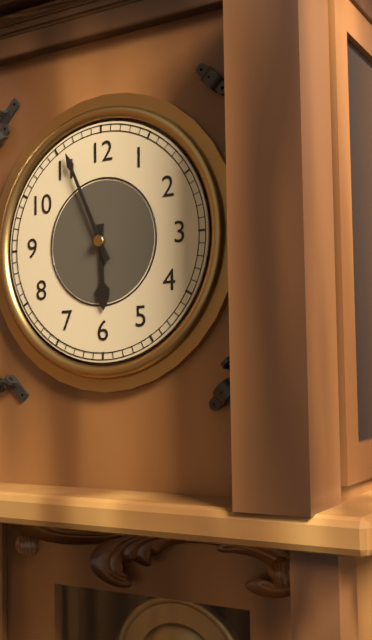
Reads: 5:56
